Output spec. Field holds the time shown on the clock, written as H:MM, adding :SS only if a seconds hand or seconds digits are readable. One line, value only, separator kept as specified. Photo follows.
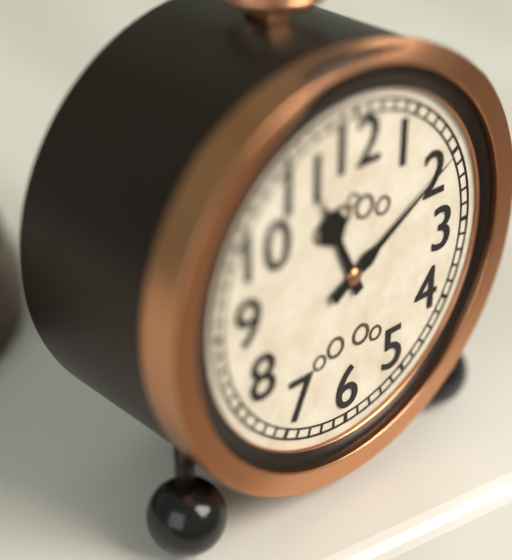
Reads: 11:10
